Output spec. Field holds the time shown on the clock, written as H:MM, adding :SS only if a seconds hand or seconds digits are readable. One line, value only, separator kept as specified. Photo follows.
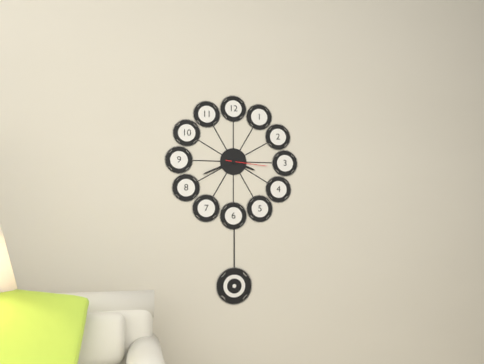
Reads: 3:41
